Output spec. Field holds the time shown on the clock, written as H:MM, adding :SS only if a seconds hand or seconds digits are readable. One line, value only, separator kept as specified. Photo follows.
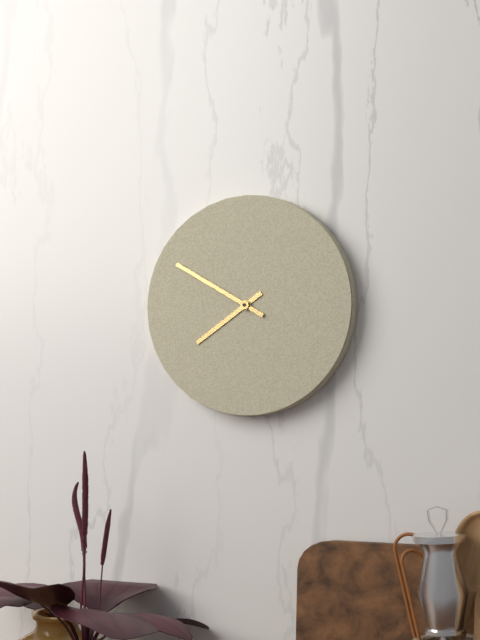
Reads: 7:50
